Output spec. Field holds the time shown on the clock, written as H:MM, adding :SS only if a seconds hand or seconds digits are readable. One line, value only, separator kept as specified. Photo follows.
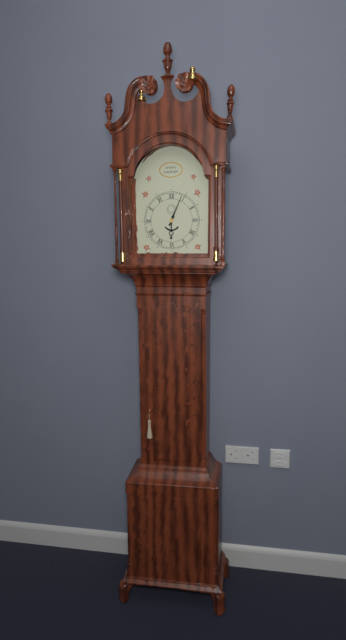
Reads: 6:04
